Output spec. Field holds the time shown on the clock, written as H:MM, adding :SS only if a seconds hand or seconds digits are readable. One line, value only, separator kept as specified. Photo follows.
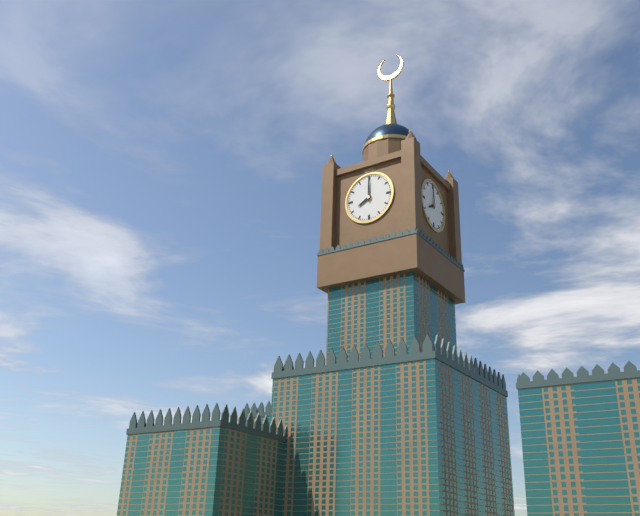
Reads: 8:00
